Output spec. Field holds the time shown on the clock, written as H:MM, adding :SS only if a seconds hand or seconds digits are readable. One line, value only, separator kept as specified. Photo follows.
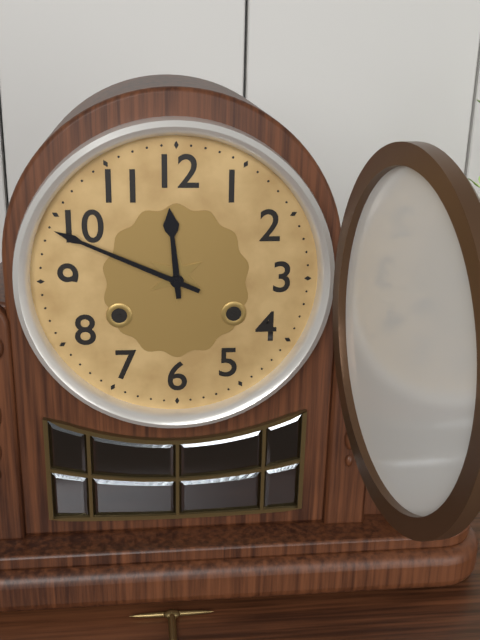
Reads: 11:49
